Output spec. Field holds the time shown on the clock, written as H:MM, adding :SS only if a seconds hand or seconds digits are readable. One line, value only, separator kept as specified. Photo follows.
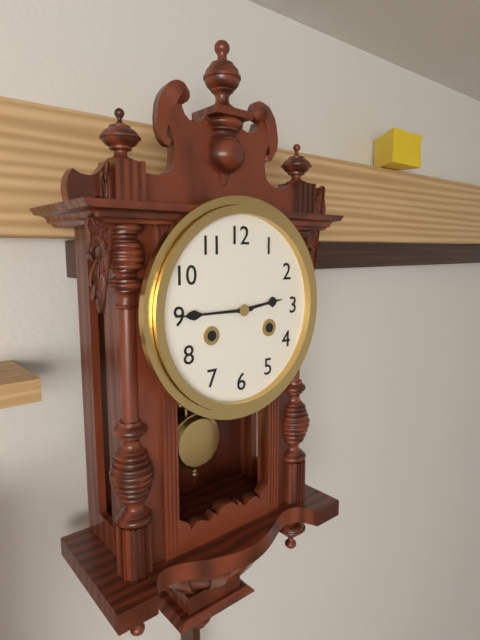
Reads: 2:45
